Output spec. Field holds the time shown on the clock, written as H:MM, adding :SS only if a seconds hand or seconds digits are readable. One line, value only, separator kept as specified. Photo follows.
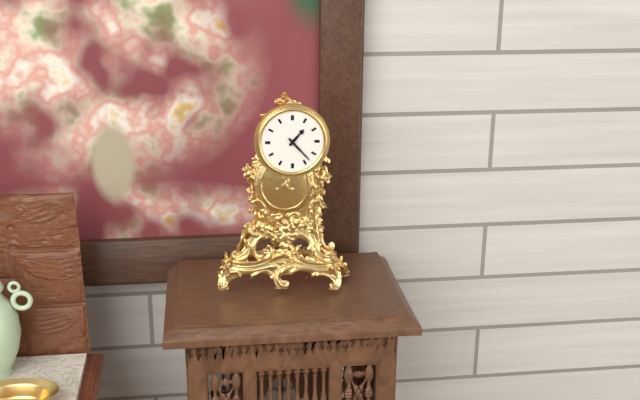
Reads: 1:23
